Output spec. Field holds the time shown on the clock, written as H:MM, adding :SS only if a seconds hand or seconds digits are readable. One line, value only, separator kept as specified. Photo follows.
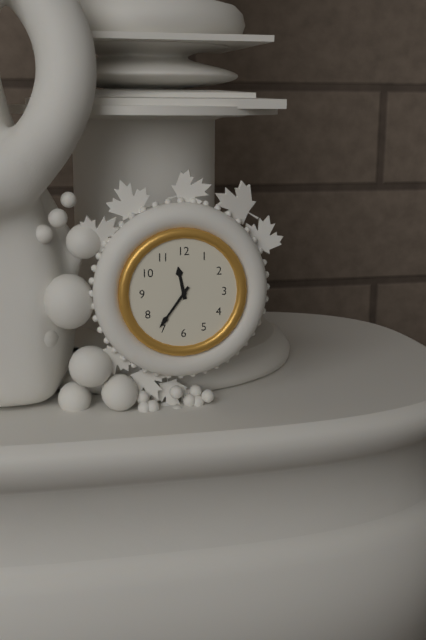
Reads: 11:36
